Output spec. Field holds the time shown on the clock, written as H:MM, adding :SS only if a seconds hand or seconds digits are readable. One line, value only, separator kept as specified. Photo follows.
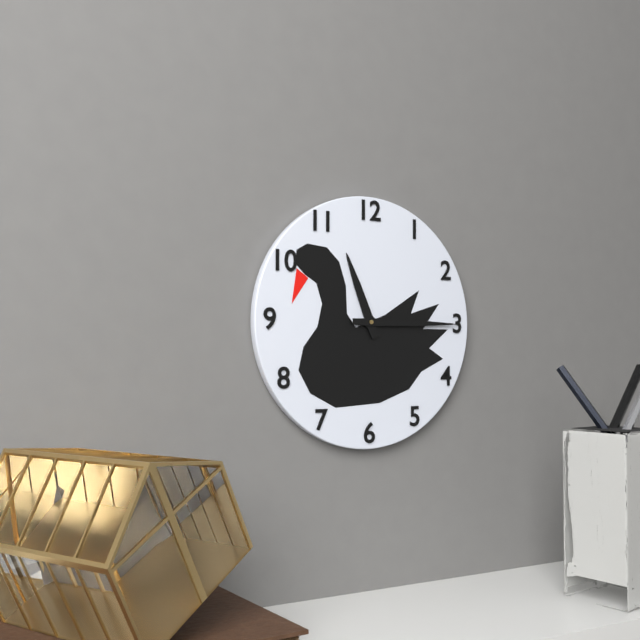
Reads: 11:15
